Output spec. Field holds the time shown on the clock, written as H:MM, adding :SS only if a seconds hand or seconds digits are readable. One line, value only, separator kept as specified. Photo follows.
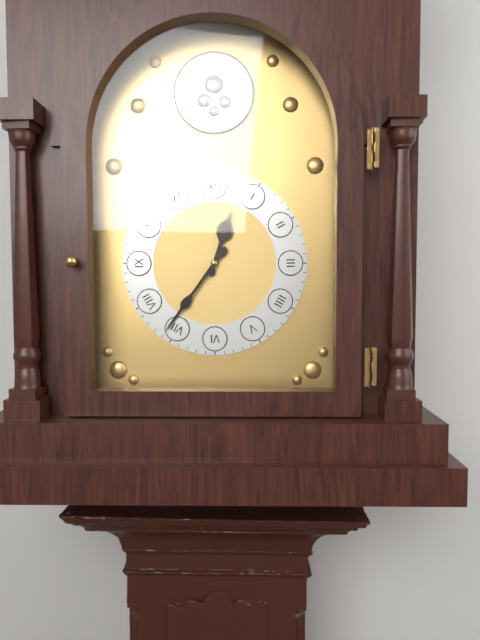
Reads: 12:36
